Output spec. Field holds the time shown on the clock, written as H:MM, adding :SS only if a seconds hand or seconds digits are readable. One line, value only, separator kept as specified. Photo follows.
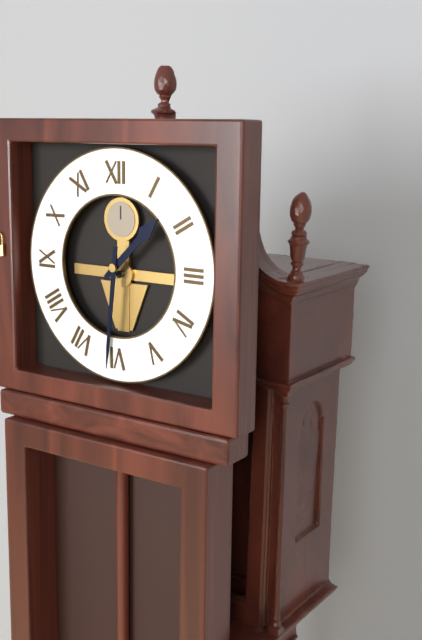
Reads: 1:31
